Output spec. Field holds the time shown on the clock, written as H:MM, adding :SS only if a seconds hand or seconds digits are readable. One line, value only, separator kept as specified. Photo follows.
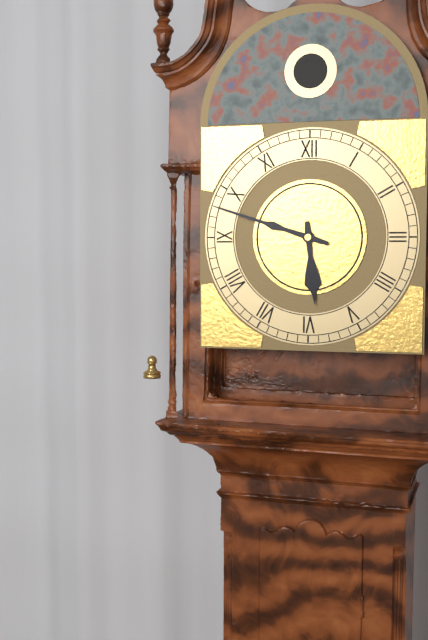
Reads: 5:48
